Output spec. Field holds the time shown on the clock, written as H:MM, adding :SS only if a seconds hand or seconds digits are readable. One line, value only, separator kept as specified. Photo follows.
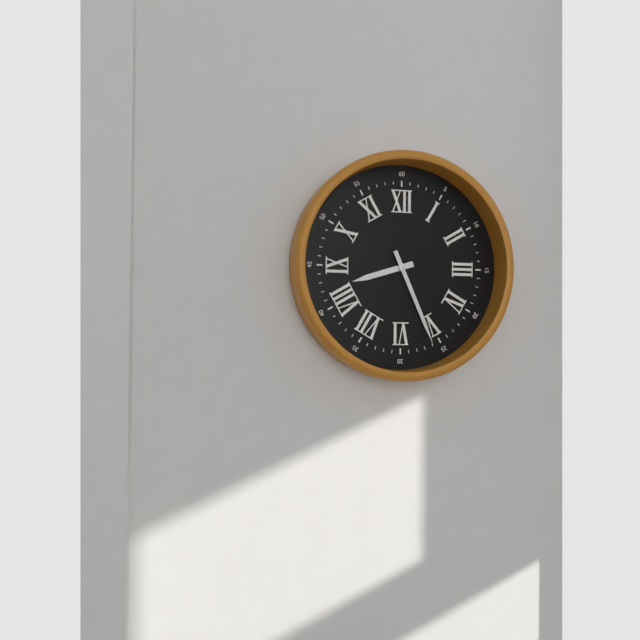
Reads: 8:26
